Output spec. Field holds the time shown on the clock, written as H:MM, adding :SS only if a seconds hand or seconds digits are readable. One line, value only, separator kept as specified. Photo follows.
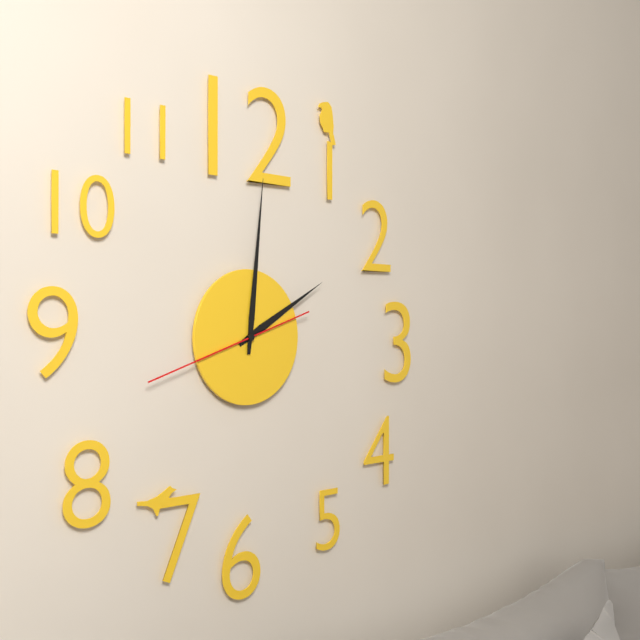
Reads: 2:01:42
